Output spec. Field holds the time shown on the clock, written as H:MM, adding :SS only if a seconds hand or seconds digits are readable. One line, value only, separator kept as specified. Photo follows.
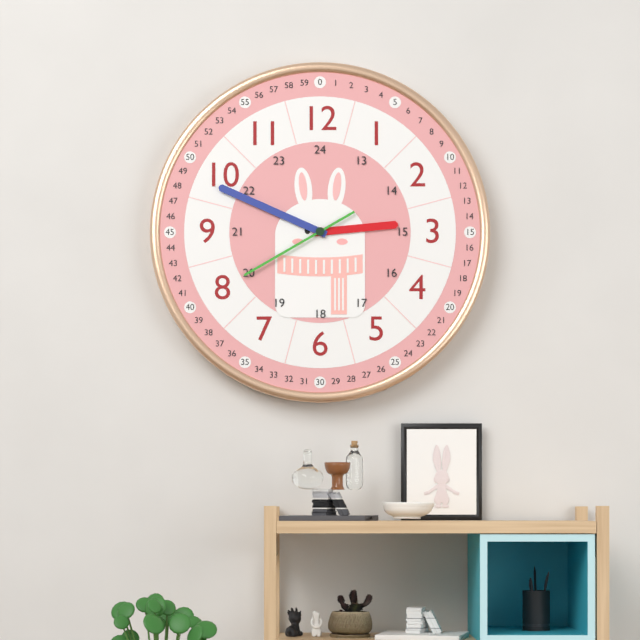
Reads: 2:49:40
